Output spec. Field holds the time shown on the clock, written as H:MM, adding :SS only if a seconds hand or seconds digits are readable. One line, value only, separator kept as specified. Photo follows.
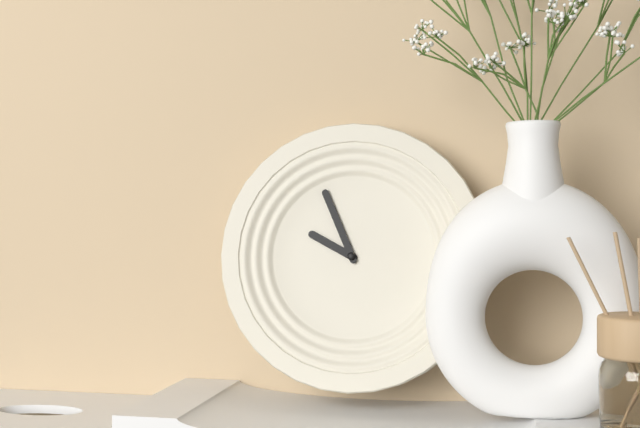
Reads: 9:56
